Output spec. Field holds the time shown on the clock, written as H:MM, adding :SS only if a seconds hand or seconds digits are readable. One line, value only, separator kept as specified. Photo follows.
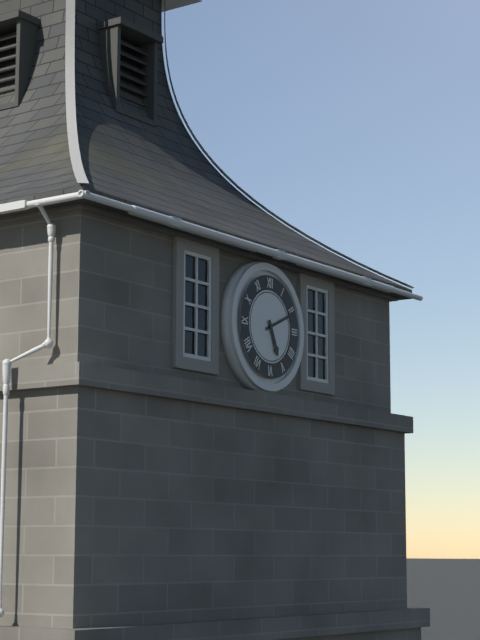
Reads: 5:11
